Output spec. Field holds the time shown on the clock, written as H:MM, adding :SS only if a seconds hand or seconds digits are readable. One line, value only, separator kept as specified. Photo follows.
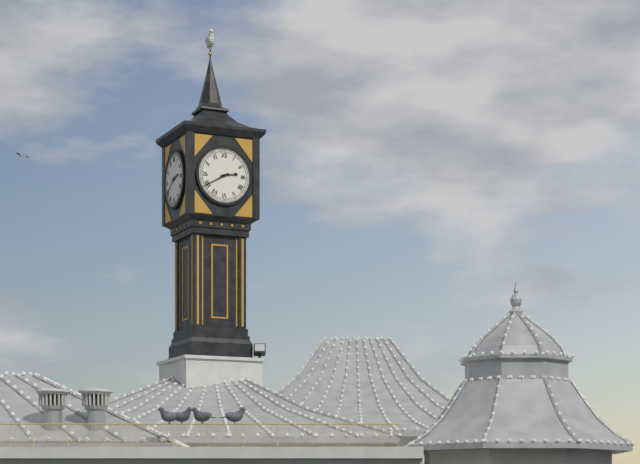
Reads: 2:40
